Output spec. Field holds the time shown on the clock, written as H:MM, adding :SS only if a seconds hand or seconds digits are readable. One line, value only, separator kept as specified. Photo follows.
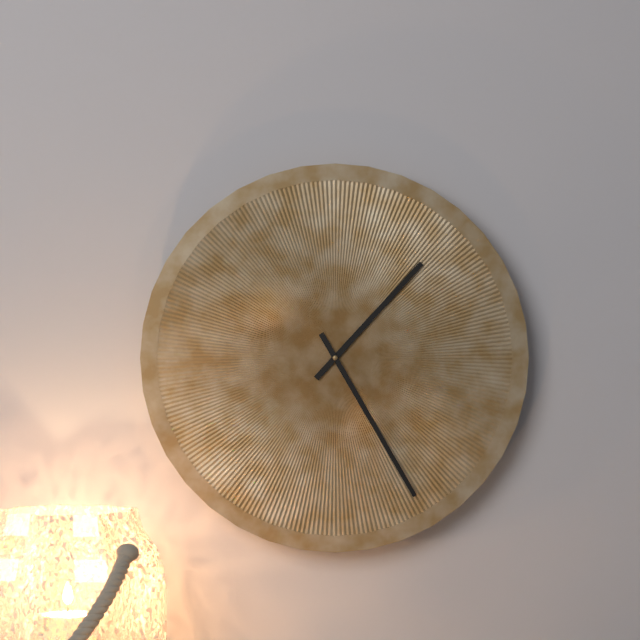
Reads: 1:25
